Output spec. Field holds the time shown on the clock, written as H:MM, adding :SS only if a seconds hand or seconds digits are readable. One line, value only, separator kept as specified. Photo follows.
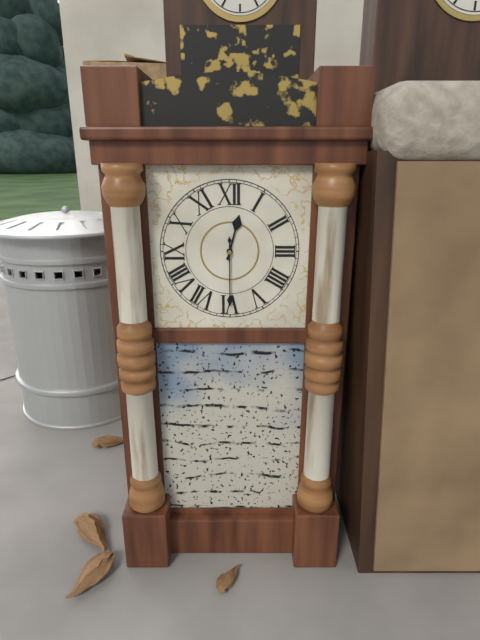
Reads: 12:30
